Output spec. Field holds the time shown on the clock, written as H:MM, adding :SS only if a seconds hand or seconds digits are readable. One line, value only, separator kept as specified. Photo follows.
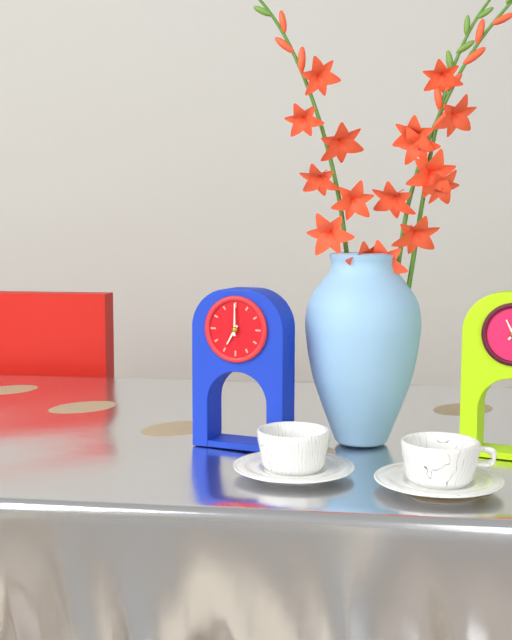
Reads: 7:00
